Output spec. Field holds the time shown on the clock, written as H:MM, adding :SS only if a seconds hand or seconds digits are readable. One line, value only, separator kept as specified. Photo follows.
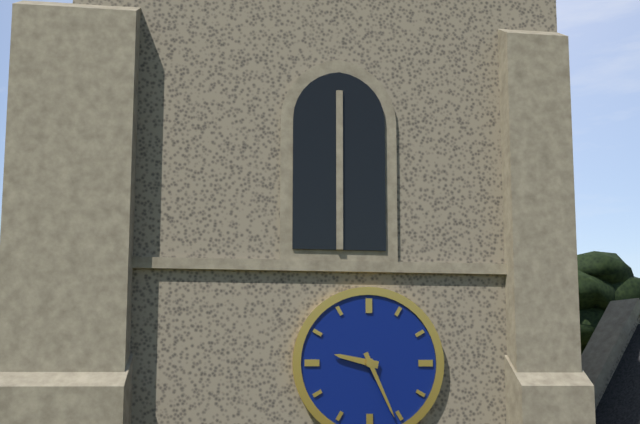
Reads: 9:26
